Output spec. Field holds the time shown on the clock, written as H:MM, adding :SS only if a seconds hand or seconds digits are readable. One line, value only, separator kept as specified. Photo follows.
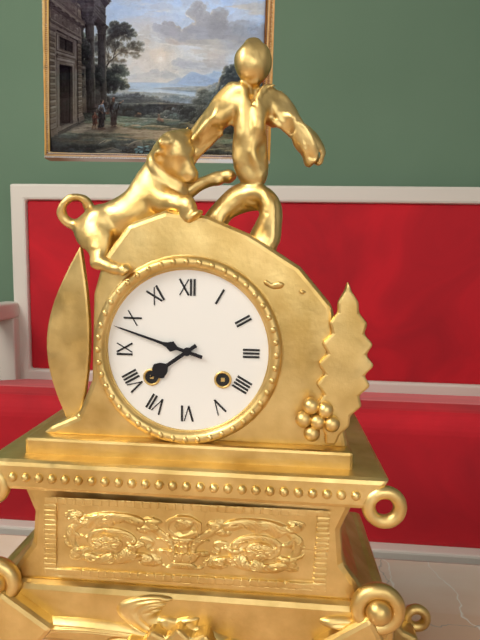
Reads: 7:48
